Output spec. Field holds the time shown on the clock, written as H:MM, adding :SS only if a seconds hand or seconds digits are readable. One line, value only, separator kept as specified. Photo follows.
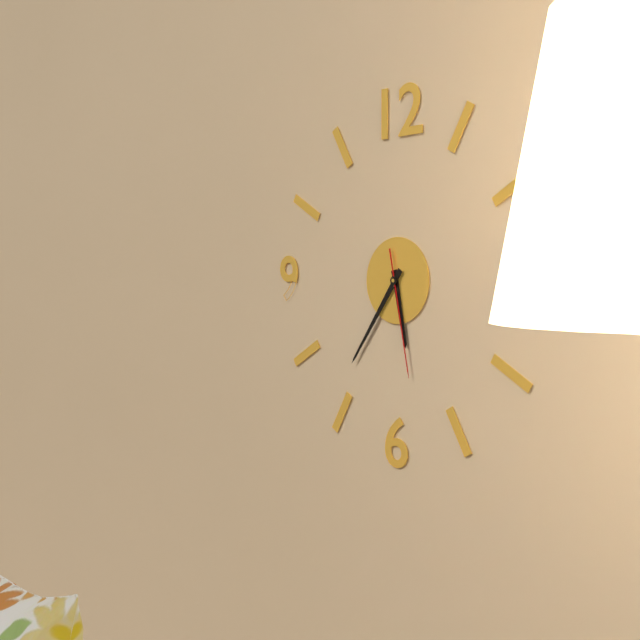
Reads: 5:36:28
